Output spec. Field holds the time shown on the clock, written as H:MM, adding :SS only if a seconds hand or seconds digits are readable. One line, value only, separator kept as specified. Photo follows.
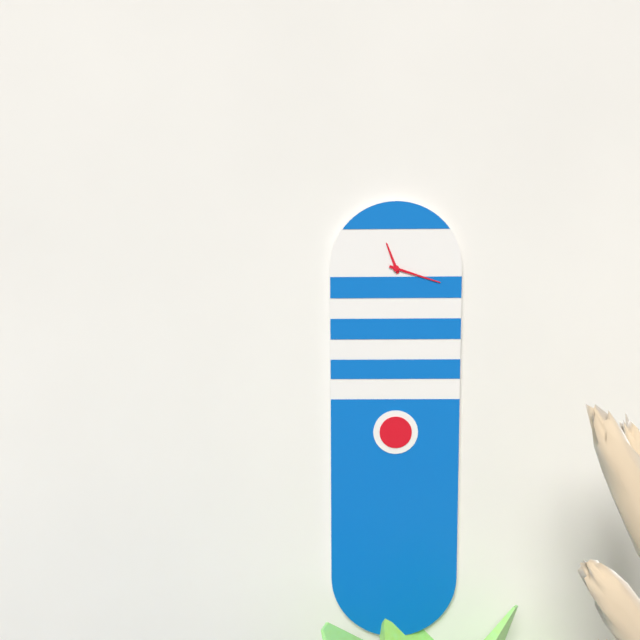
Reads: 11:18
